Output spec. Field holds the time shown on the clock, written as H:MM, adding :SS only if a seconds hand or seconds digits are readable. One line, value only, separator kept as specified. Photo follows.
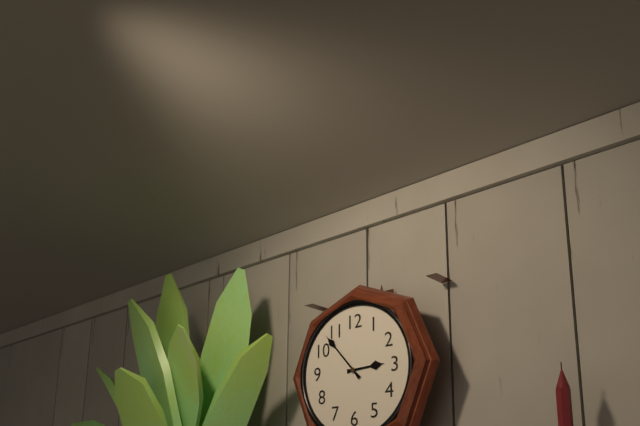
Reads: 2:53
